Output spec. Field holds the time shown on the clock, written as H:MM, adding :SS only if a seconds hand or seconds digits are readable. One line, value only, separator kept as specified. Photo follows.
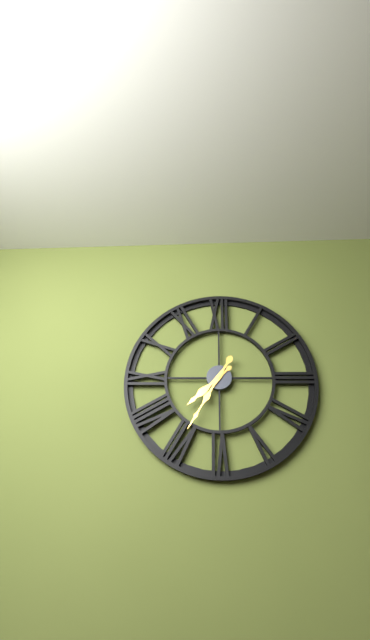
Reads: 7:35
